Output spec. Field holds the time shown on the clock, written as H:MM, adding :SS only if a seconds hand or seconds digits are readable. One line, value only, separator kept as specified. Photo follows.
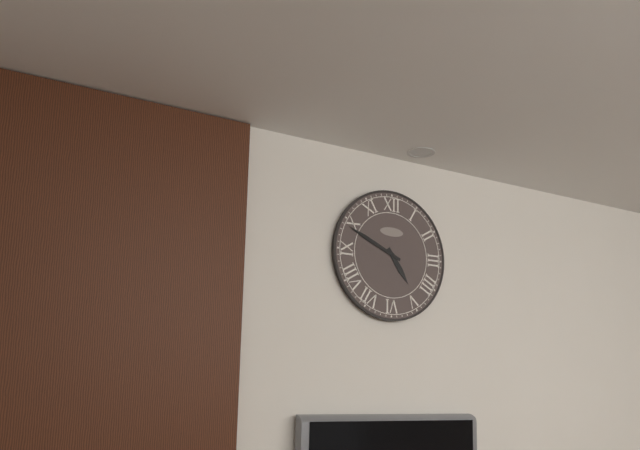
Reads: 4:49
